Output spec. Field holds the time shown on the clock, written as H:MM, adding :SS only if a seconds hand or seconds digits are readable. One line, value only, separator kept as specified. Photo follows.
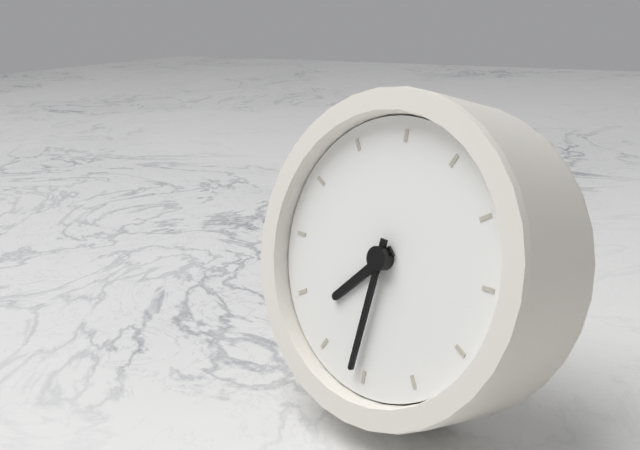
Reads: 7:31
